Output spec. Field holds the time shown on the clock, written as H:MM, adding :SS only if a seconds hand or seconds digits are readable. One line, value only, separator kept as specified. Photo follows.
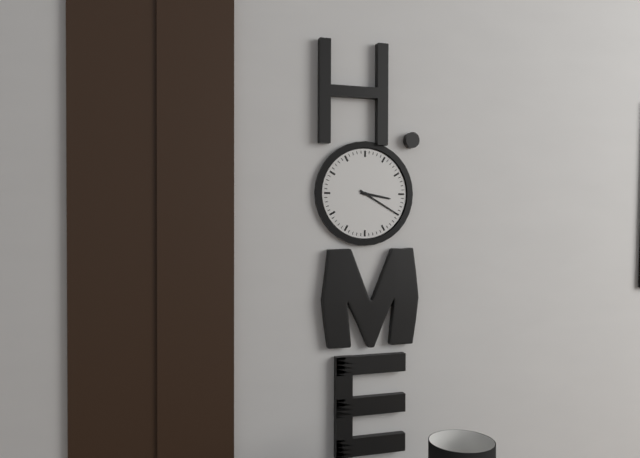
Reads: 3:20
